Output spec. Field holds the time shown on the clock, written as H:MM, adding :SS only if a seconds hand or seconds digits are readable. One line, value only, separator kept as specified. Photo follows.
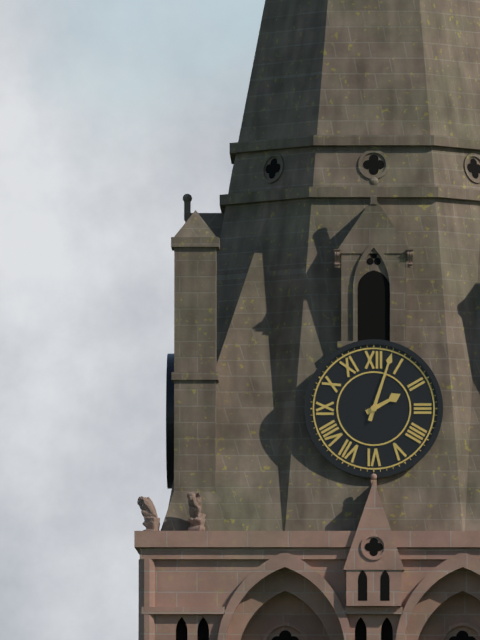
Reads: 2:03
